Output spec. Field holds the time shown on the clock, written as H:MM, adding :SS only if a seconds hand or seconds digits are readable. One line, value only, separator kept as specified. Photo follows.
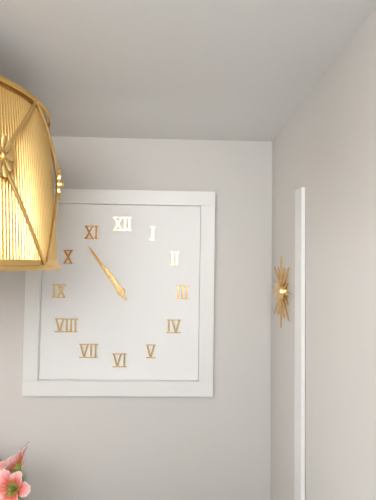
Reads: 10:54
